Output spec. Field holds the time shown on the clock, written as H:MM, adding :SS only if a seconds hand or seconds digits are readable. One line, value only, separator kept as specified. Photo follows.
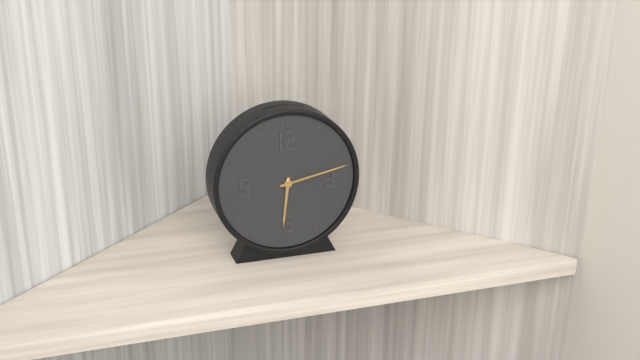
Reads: 6:13
